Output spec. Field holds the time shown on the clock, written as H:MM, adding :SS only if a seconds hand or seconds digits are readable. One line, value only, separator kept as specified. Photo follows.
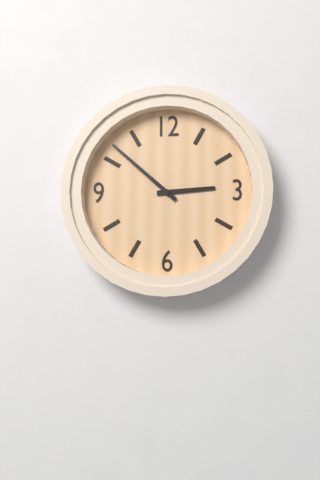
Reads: 2:52
